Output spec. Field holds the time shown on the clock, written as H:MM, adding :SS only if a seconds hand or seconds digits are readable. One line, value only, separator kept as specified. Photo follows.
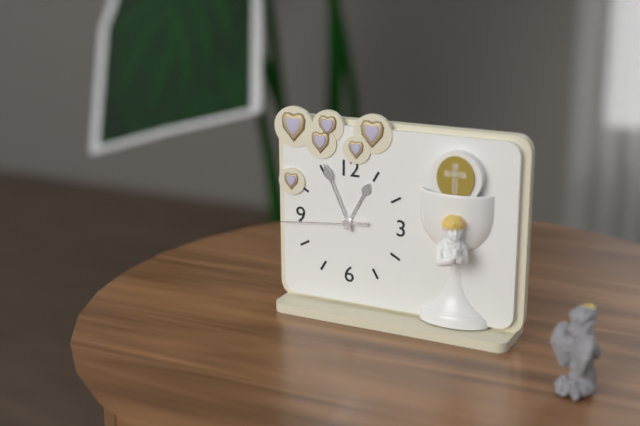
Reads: 12:56:44
